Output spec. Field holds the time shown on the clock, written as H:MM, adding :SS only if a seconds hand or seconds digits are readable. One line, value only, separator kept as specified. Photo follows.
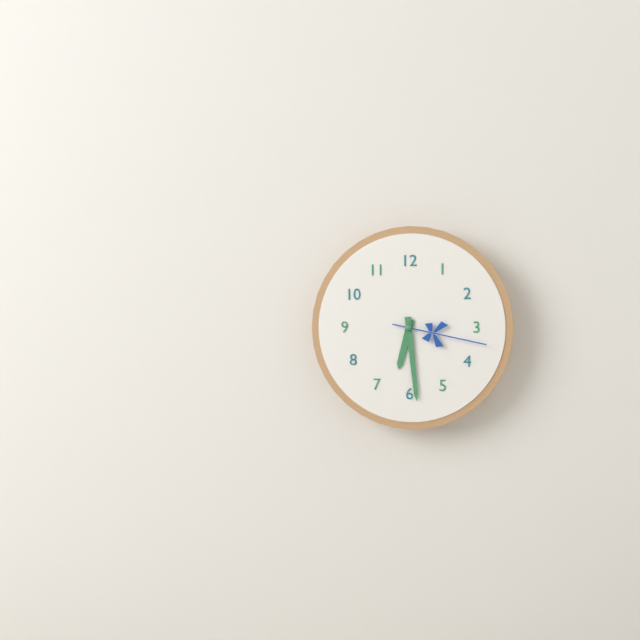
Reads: 6:29:17
